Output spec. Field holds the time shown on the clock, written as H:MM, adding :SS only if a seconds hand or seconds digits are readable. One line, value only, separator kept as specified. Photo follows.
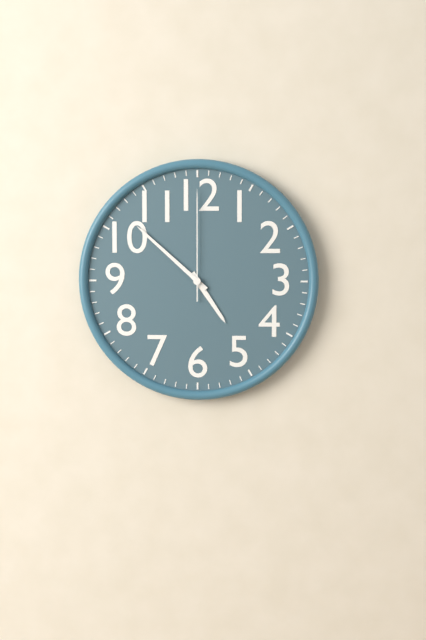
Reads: 4:52:00
